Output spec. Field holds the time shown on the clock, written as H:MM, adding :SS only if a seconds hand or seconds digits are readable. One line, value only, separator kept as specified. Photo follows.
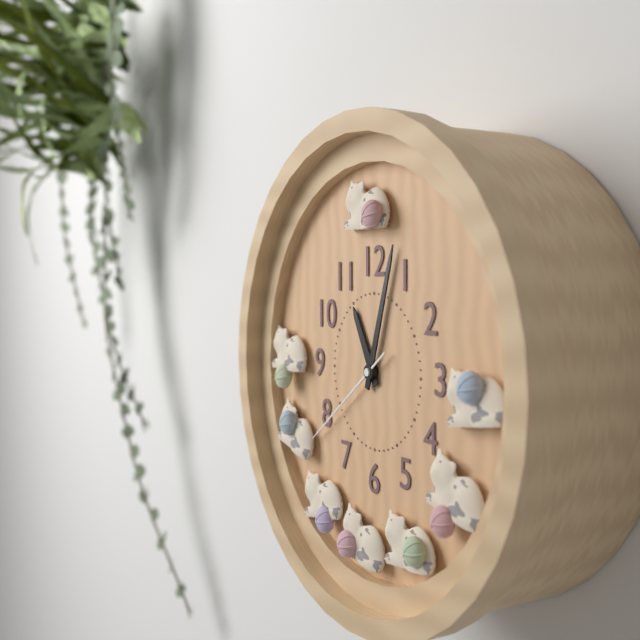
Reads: 11:03:39
